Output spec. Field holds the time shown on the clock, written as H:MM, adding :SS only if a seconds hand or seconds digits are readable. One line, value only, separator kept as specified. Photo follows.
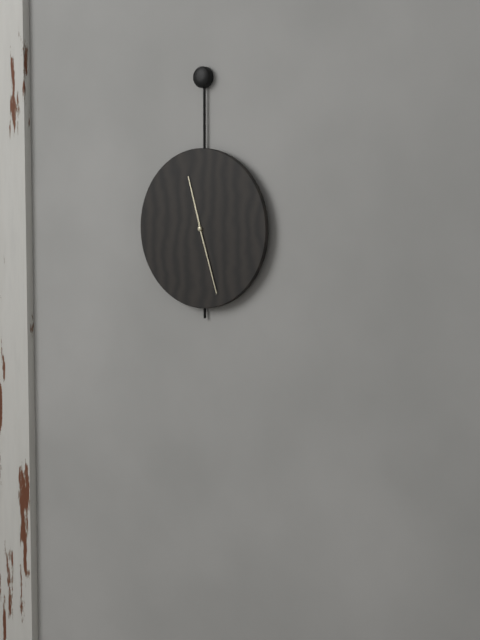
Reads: 11:27
